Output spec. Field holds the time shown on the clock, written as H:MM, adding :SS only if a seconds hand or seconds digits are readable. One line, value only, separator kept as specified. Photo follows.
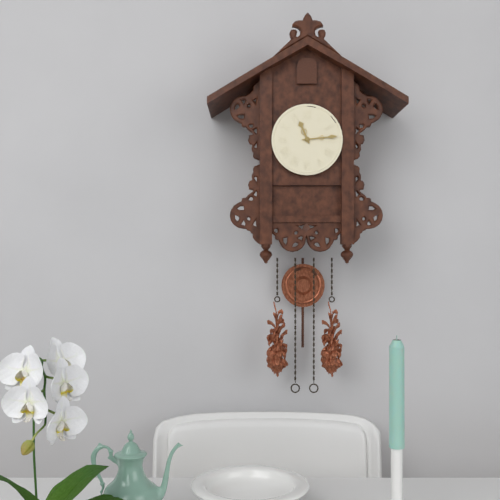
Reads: 11:14
